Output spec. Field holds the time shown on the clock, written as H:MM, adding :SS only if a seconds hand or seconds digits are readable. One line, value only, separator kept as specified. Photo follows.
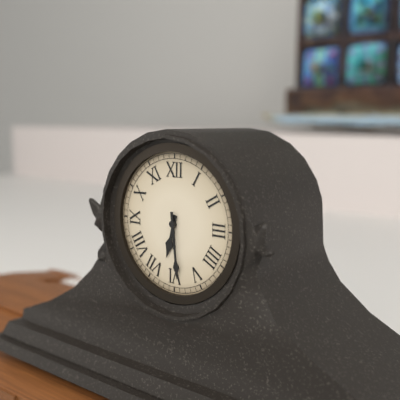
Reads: 6:29
